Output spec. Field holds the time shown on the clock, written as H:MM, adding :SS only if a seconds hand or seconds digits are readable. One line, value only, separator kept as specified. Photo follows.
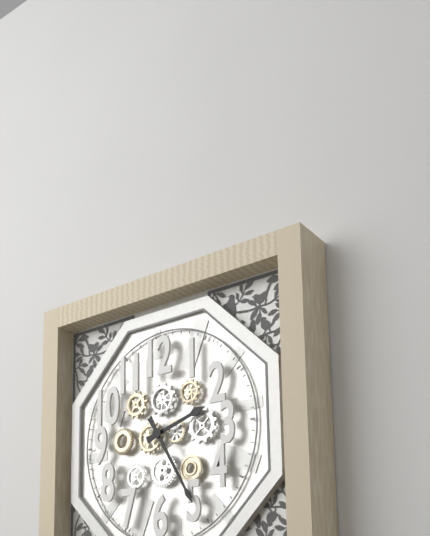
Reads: 2:25
